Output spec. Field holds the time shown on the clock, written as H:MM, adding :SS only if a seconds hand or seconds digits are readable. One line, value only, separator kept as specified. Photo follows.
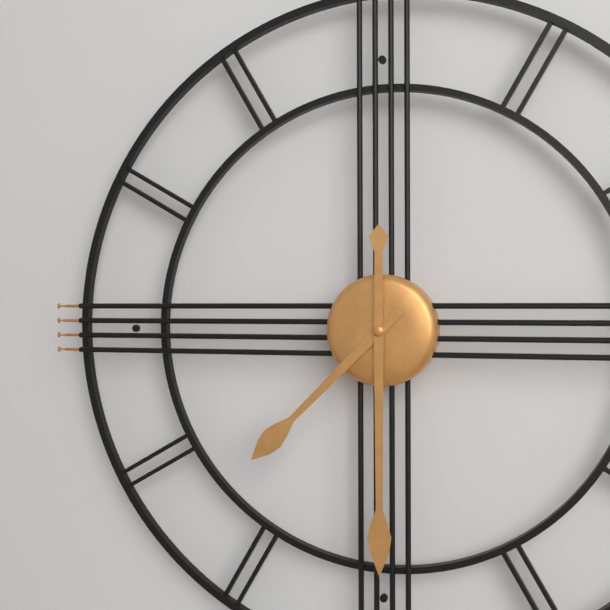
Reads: 7:30
